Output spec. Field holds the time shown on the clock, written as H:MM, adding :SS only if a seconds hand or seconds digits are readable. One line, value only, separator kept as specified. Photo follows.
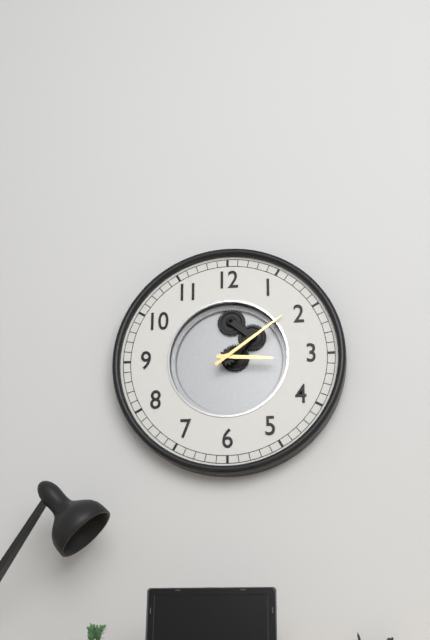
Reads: 3:09
